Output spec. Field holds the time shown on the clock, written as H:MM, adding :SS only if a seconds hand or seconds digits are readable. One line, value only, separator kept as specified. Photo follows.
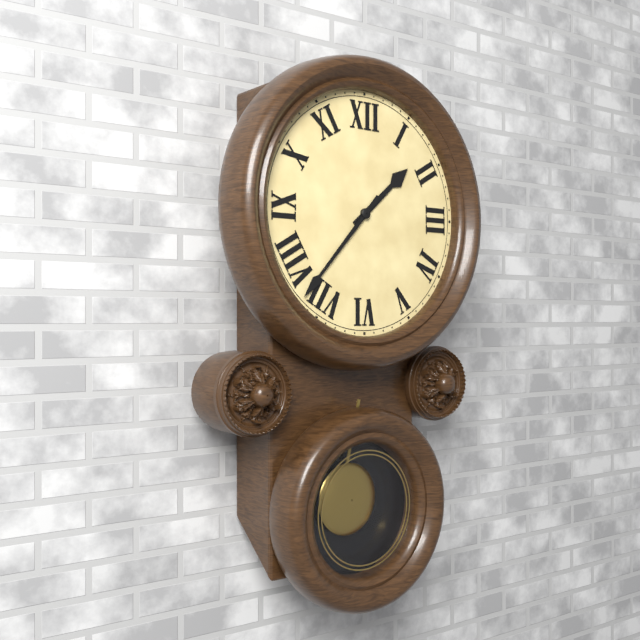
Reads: 1:37
